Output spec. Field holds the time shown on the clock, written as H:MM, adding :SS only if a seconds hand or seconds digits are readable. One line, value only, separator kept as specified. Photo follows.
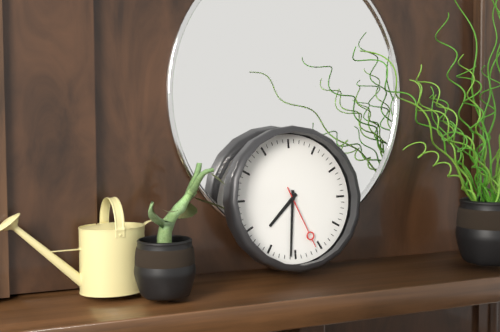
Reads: 7:31:26
